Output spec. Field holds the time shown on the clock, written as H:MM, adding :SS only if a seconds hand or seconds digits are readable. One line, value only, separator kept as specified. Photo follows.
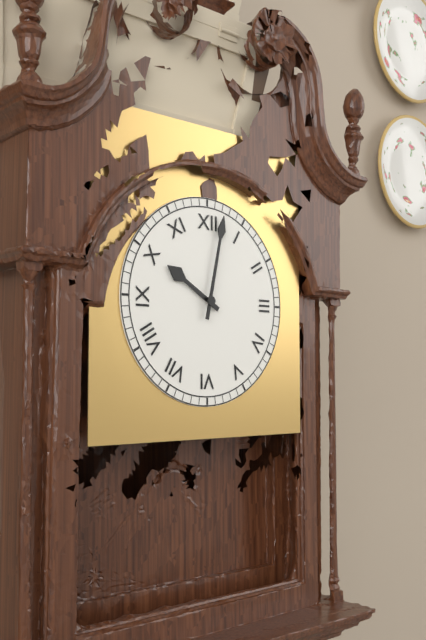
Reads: 10:02
